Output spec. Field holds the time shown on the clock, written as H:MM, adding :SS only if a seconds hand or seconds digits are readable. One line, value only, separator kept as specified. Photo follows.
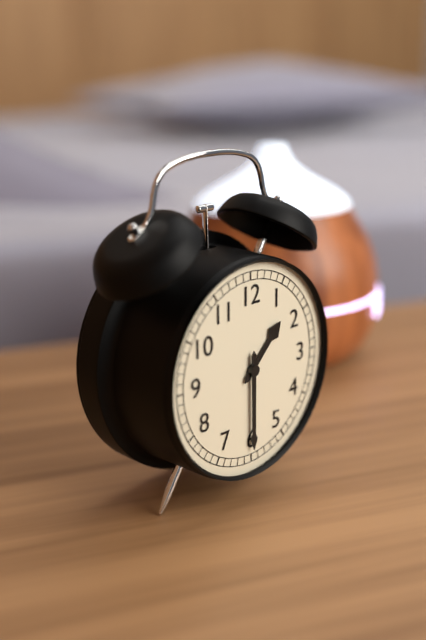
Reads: 1:30
